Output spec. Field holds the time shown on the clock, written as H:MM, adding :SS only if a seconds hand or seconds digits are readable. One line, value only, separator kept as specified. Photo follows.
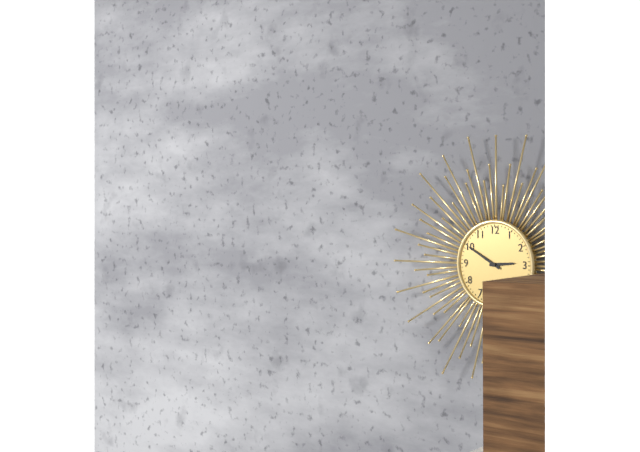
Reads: 2:50
